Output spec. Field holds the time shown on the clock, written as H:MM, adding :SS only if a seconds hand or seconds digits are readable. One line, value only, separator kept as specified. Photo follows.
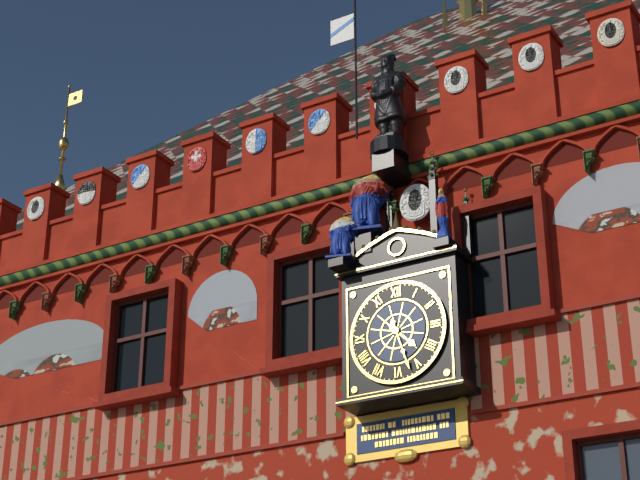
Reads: 4:27
